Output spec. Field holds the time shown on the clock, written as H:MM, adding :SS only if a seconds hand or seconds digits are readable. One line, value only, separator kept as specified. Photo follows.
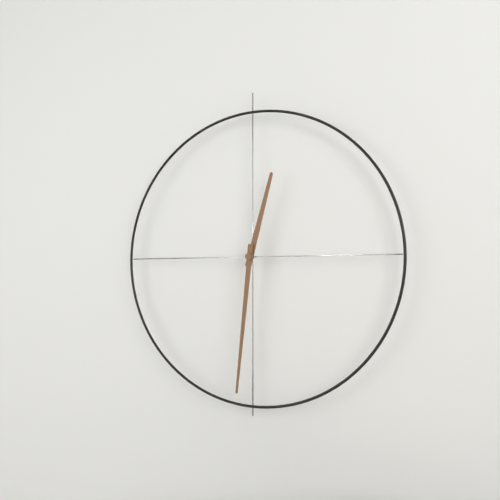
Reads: 12:31
